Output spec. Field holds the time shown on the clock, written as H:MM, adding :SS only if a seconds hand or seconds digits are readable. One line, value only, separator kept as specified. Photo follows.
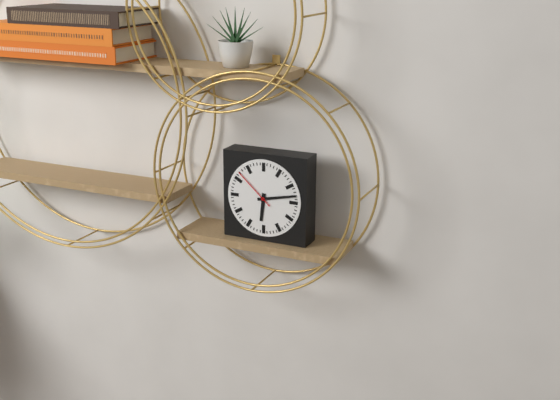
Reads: 6:13
